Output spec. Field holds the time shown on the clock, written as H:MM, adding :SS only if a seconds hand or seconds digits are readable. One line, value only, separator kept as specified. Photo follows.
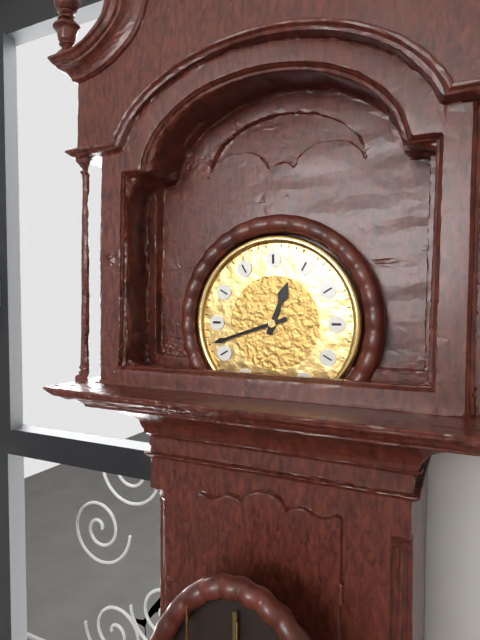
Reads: 12:42
